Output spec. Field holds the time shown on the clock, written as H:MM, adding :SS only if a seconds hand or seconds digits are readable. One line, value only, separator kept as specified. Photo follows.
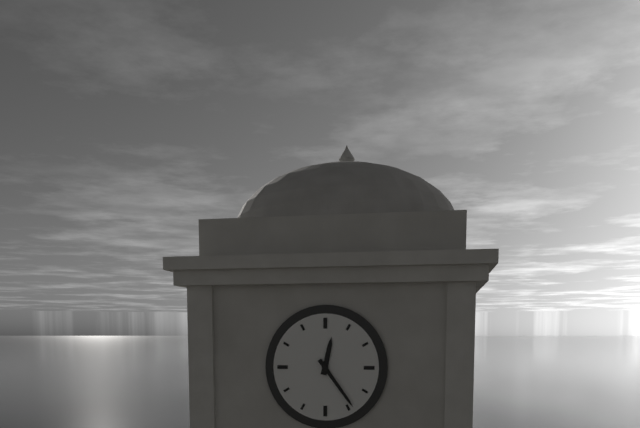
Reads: 12:24
